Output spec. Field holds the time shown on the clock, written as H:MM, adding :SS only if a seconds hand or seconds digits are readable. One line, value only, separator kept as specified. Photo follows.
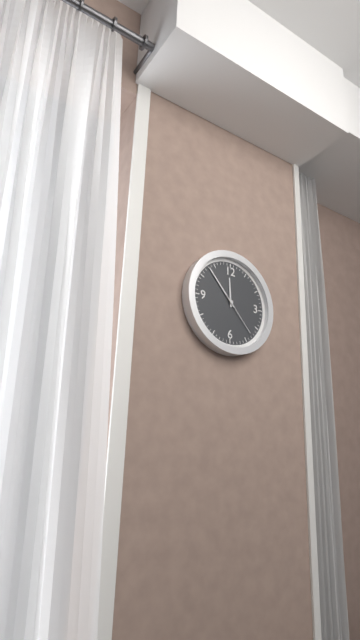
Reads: 11:53
